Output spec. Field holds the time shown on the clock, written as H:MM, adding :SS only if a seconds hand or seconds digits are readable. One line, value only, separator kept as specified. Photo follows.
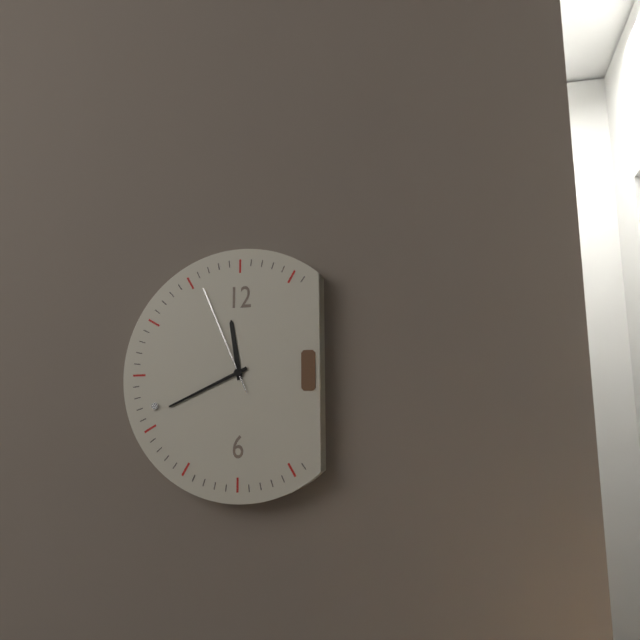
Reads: 11:41:56
